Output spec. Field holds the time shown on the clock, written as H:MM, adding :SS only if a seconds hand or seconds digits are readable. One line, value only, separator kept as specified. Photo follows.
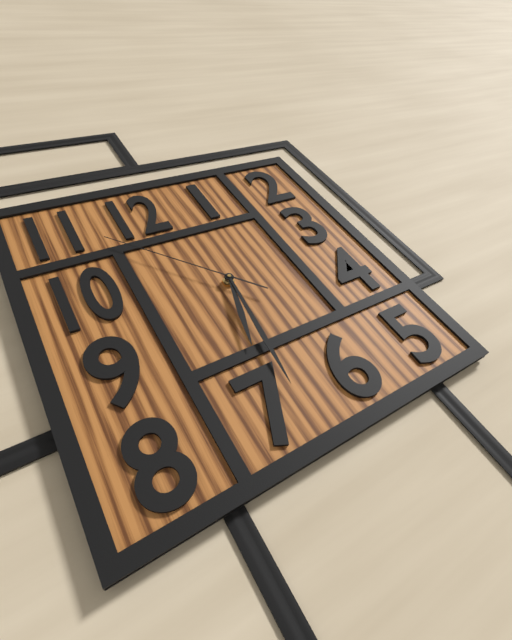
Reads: 6:31:53
